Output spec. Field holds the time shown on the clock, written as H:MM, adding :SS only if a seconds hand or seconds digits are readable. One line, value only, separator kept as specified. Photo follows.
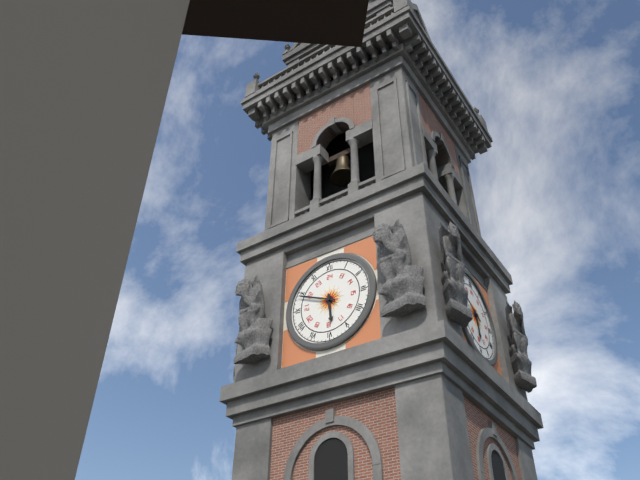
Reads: 5:49
